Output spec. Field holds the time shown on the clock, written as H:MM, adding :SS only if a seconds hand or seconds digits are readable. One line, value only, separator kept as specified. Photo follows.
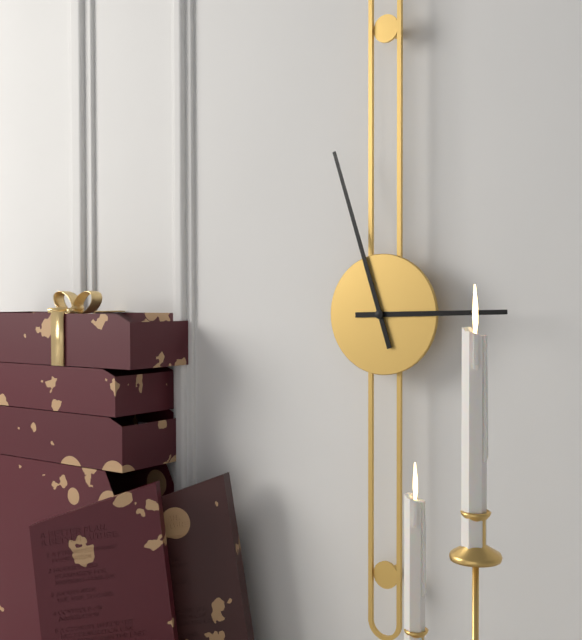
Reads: 2:57
